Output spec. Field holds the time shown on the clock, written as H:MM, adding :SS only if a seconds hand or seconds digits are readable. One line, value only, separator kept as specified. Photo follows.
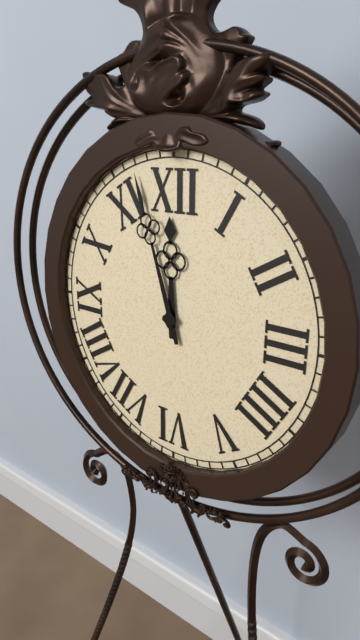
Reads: 11:57
